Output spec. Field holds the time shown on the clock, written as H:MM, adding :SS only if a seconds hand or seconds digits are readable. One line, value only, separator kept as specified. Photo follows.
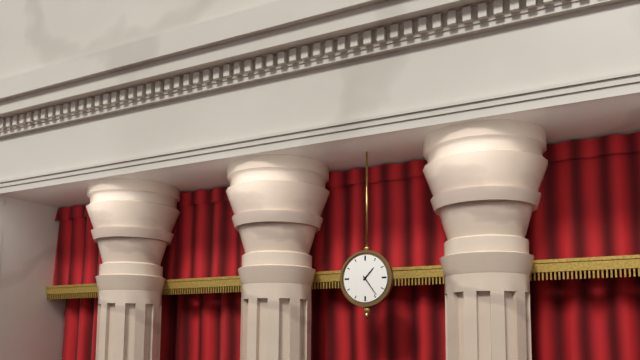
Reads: 1:24
